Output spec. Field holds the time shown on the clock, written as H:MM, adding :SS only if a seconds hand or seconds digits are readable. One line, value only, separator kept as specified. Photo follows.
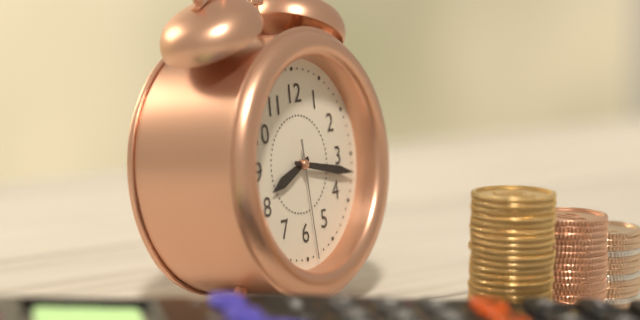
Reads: 8:17:29
